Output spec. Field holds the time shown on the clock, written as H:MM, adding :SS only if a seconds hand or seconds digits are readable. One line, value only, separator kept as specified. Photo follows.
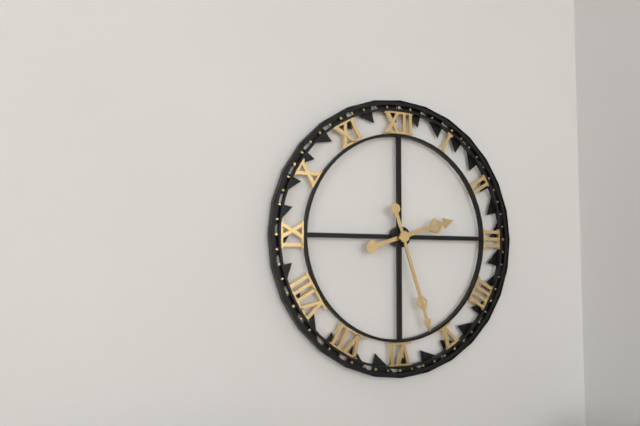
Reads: 2:27
